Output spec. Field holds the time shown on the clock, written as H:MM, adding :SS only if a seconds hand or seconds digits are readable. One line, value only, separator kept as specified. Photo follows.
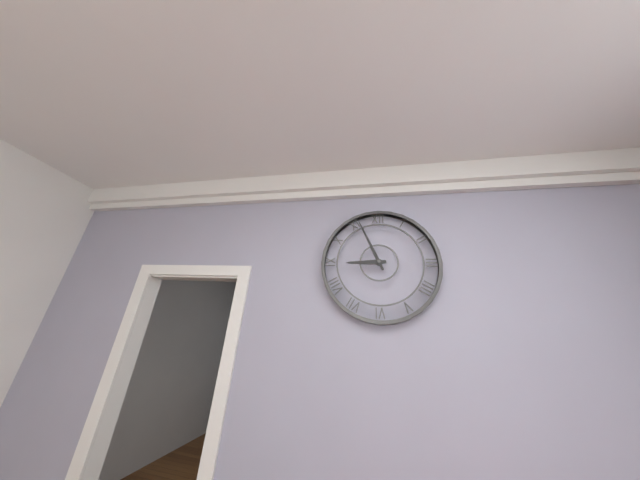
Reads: 8:56
